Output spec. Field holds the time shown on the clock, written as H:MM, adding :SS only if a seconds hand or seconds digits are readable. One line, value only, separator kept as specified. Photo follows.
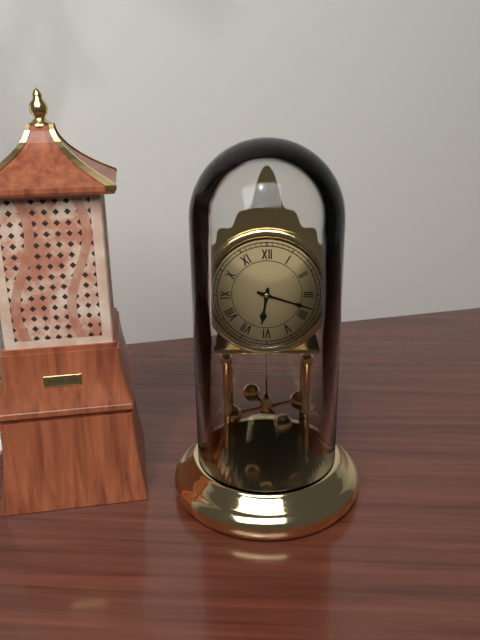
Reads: 6:18
